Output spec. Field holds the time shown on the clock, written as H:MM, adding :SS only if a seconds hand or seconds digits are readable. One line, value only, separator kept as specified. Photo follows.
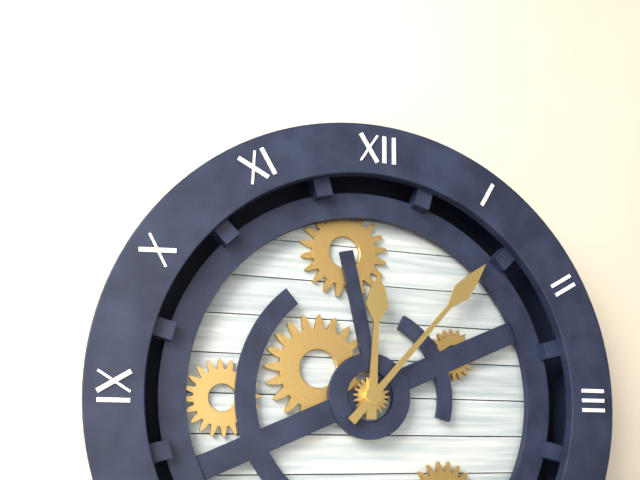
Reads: 12:07
